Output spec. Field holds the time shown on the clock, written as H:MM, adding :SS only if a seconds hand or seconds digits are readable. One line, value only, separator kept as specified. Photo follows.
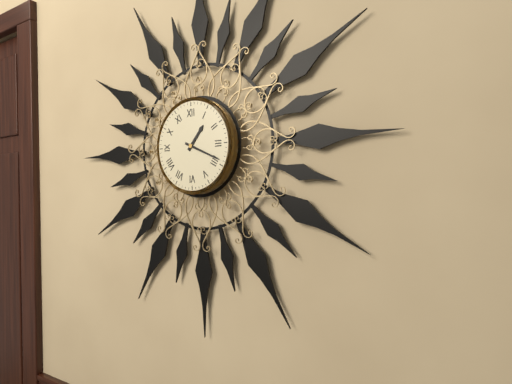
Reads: 1:19
